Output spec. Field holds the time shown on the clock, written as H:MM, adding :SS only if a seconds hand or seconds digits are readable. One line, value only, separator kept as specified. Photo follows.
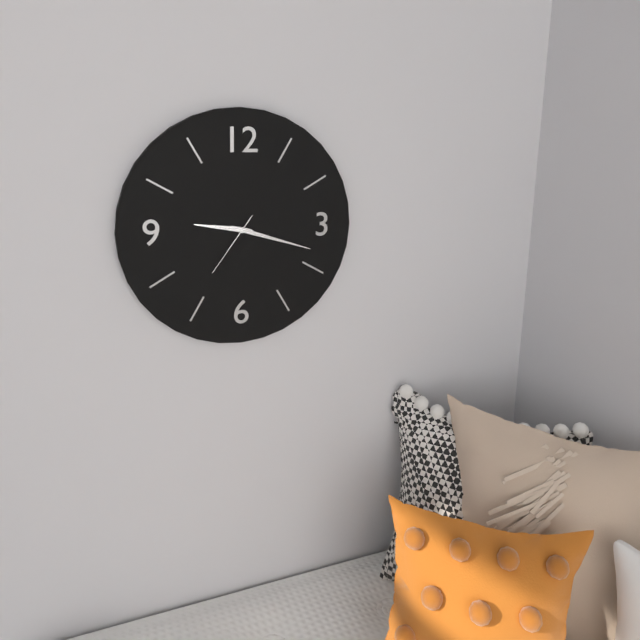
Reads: 9:18:36
